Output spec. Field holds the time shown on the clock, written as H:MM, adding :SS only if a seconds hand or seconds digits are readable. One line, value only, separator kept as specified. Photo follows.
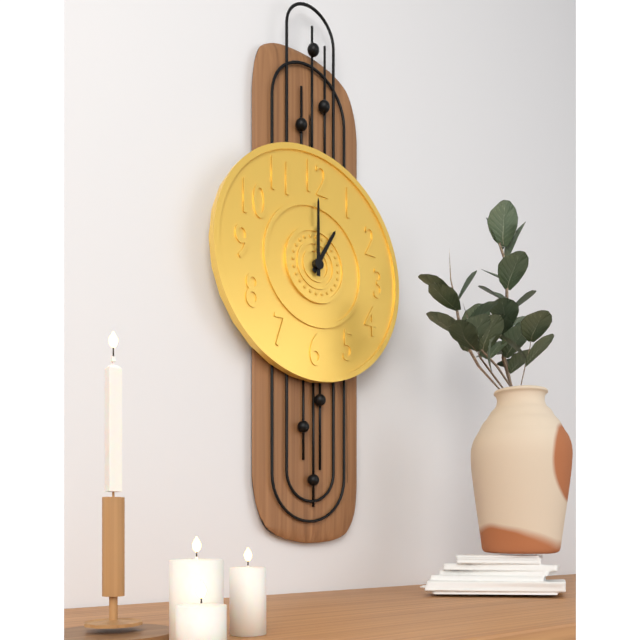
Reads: 1:00
